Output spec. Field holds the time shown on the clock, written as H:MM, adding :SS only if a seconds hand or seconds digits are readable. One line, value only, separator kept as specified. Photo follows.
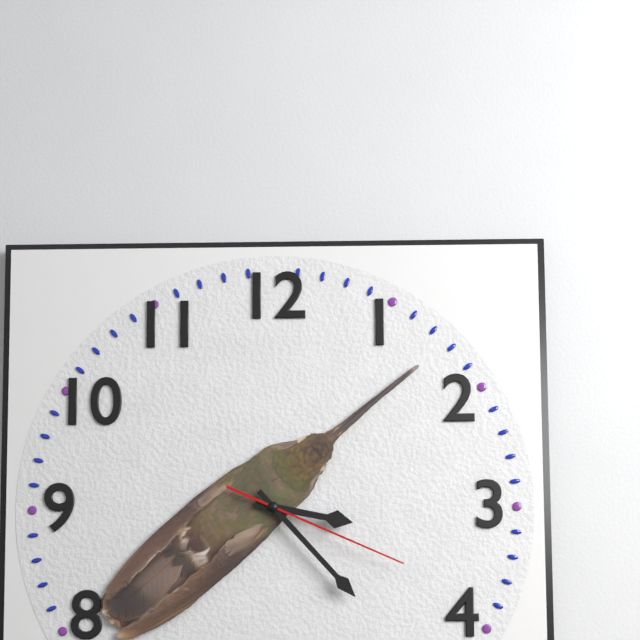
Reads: 3:23:19
